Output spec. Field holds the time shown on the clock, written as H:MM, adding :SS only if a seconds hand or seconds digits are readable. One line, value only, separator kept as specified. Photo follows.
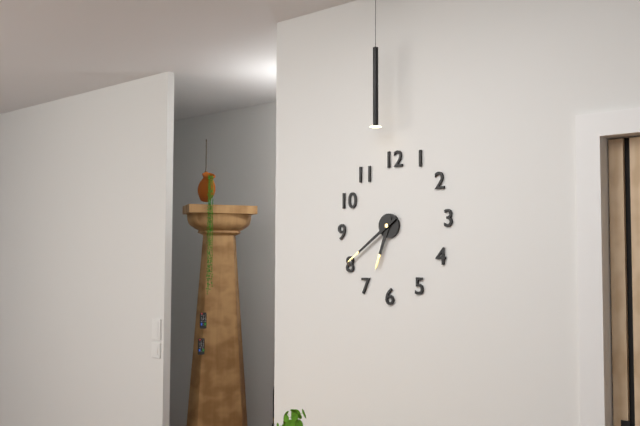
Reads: 6:39
